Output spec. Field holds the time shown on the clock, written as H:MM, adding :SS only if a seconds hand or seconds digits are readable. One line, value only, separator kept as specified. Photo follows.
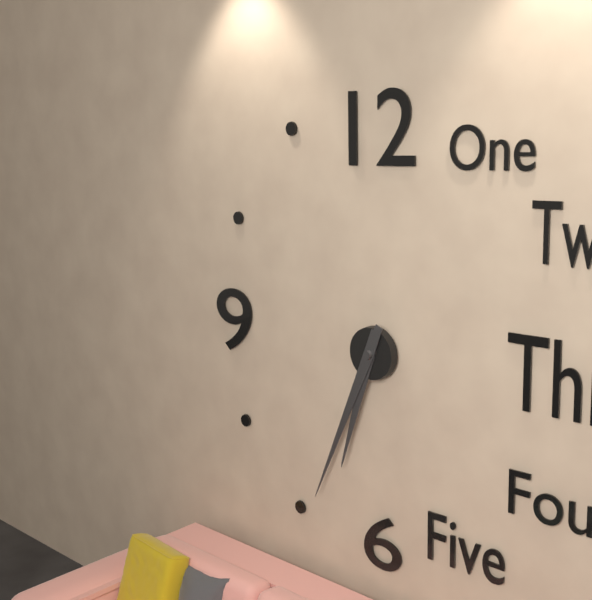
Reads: 6:34
